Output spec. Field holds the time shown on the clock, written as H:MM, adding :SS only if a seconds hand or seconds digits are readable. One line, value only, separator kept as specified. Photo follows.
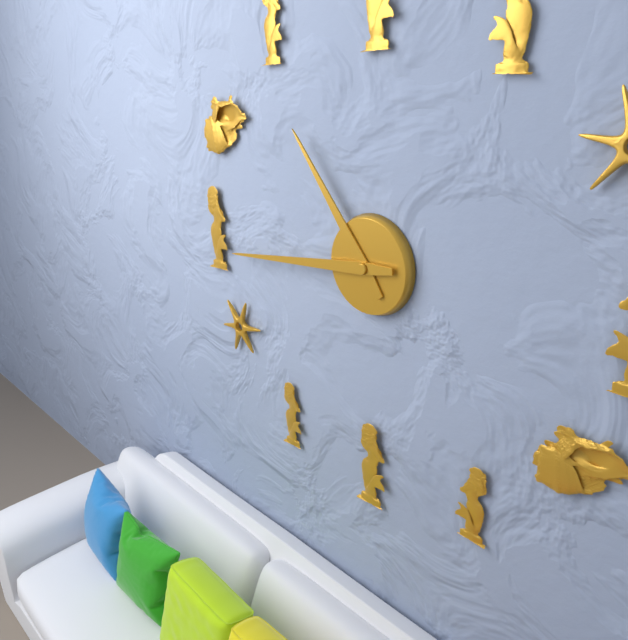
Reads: 10:44
